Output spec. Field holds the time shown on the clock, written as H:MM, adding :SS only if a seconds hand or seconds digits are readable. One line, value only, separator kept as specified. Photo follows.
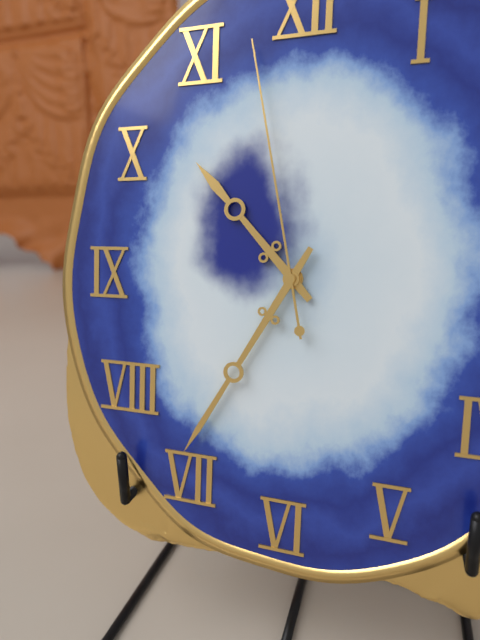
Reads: 10:35:58
